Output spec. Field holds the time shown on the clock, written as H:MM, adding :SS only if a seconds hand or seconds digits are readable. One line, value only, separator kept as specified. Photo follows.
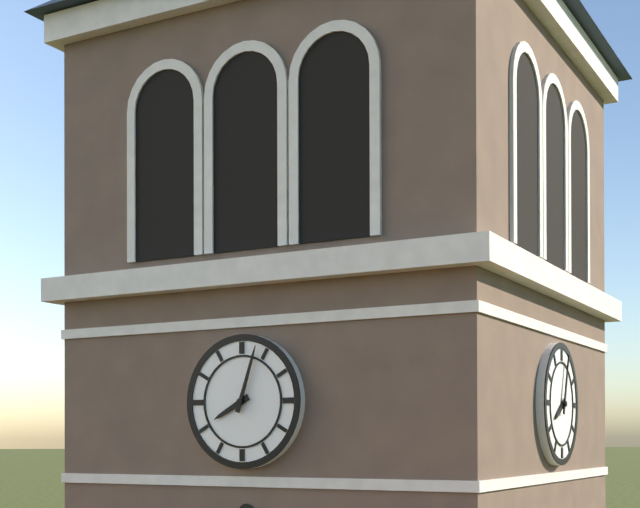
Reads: 8:03
